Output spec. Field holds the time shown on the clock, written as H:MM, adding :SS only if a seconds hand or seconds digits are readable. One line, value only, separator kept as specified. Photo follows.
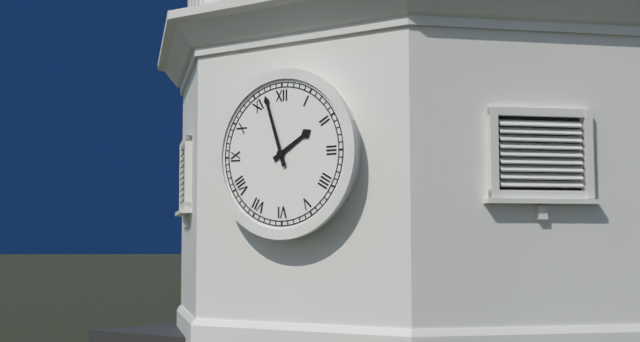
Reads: 1:57
